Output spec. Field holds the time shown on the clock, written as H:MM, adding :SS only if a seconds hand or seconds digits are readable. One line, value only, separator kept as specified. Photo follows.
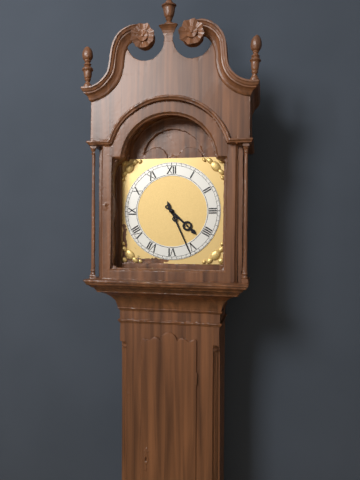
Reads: 4:26
